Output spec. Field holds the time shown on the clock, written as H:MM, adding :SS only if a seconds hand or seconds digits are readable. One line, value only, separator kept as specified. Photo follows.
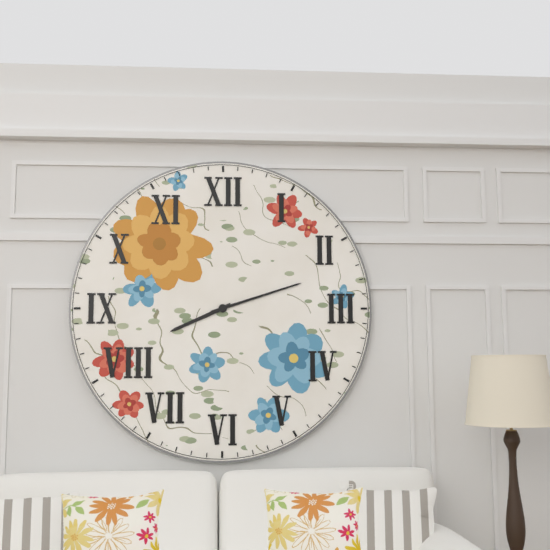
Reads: 8:12
